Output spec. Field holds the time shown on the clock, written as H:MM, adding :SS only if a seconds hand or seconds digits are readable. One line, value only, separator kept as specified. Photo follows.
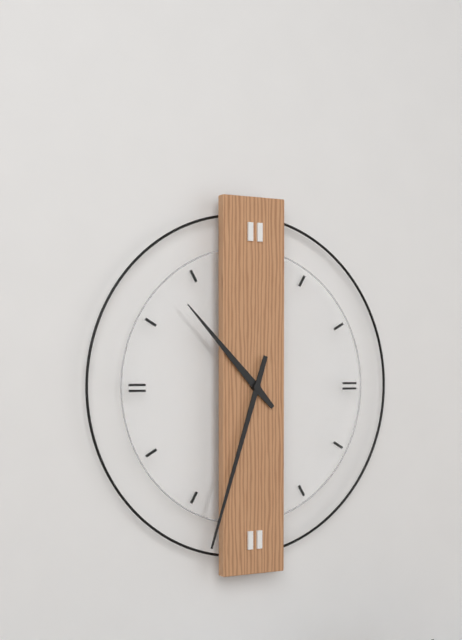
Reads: 10:33
